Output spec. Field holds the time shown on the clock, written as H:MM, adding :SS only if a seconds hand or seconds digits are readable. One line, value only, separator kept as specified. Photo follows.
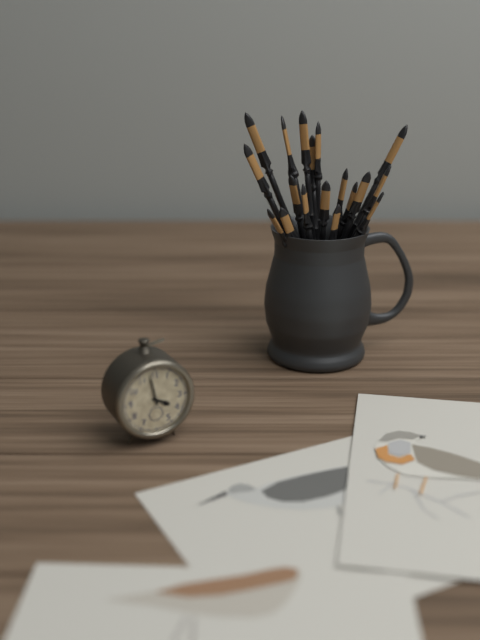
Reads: 3:58
